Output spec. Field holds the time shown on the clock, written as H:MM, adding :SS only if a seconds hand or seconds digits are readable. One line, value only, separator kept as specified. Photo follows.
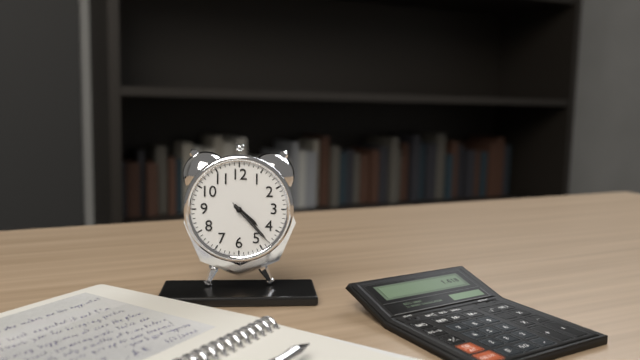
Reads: 4:23:23
